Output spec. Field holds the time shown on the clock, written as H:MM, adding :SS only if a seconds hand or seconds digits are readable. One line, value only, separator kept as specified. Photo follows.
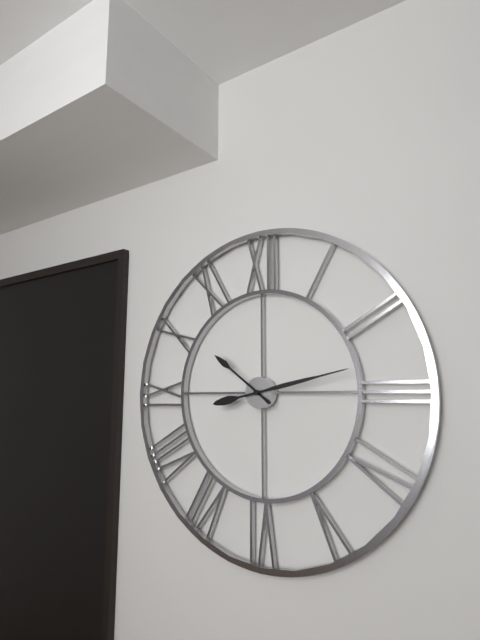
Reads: 10:13
